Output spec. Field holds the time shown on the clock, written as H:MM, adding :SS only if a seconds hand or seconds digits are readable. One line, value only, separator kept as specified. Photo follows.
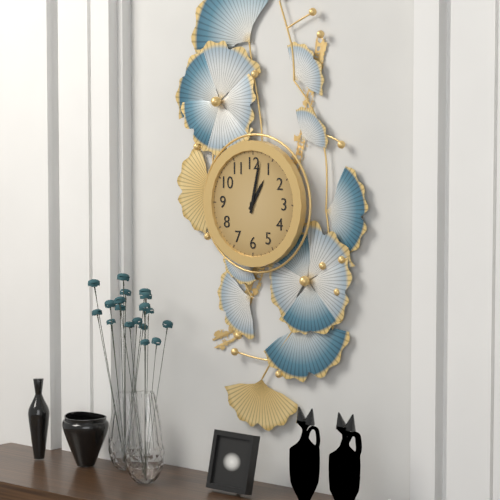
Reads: 1:02
